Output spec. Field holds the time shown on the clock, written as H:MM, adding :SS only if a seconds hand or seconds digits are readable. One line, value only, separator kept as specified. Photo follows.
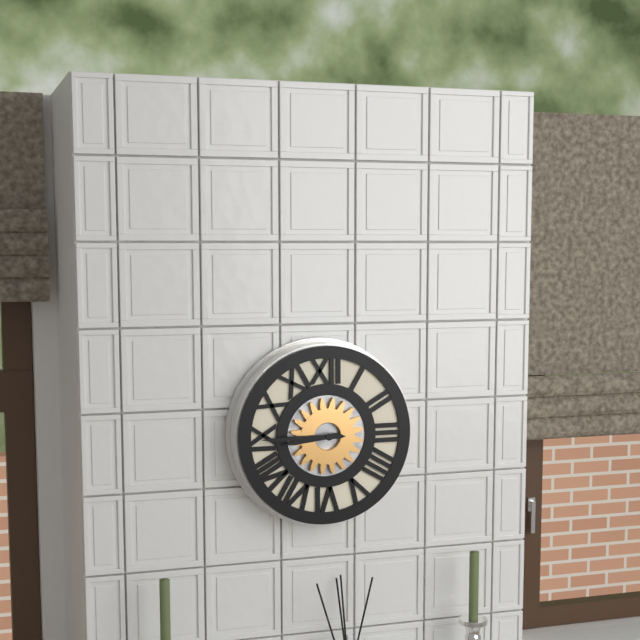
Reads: 8:45
